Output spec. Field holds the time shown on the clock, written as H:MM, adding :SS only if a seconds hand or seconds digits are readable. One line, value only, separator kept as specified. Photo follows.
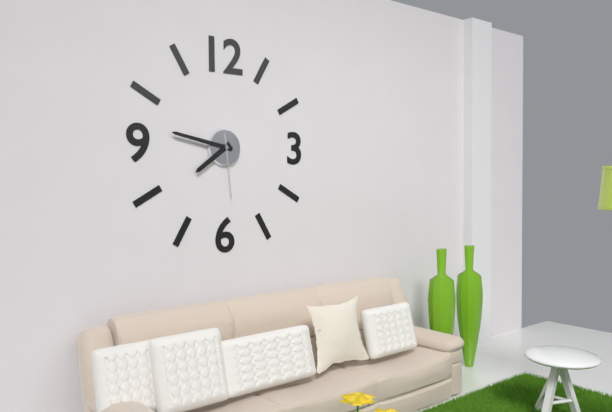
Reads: 7:47:29
